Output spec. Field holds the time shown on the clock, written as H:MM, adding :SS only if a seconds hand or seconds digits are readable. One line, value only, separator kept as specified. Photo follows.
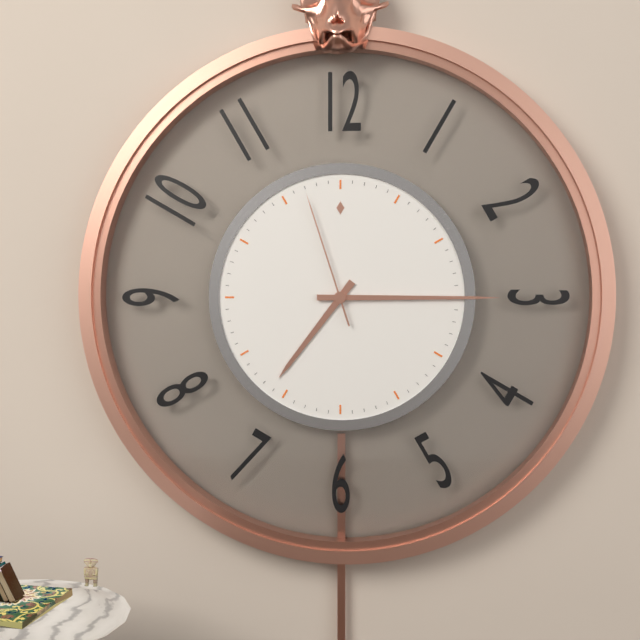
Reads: 7:15:57
